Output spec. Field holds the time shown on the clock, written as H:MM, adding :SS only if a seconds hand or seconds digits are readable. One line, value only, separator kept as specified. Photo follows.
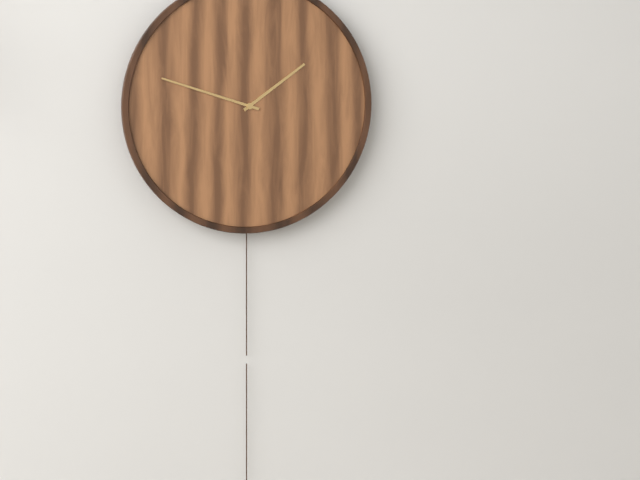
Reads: 1:48
